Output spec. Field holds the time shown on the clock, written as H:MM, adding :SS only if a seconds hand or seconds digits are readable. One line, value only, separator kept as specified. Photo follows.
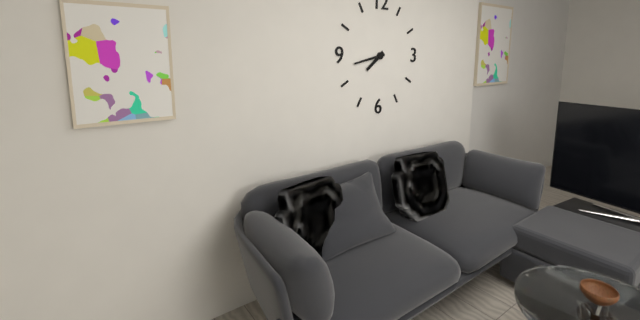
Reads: 7:43
